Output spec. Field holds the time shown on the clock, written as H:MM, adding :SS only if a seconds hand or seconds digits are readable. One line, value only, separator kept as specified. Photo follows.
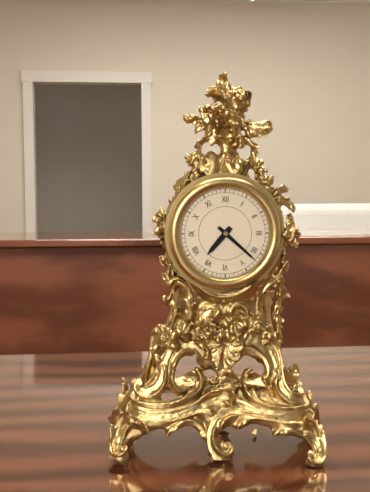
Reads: 7:22
